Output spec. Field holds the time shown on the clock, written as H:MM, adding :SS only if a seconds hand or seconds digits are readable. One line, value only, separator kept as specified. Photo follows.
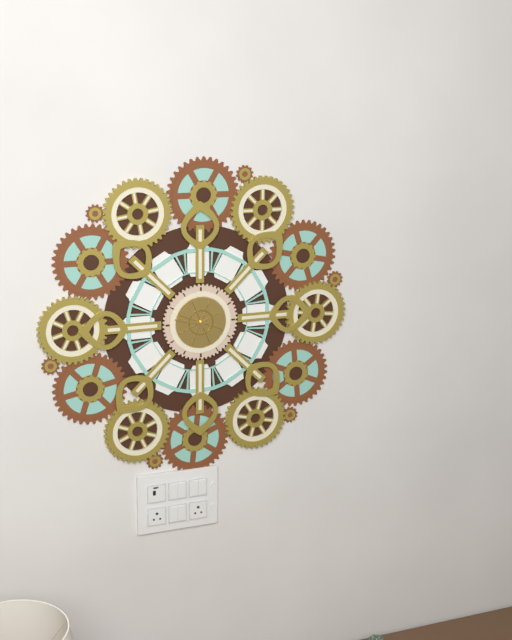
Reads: 4:47
